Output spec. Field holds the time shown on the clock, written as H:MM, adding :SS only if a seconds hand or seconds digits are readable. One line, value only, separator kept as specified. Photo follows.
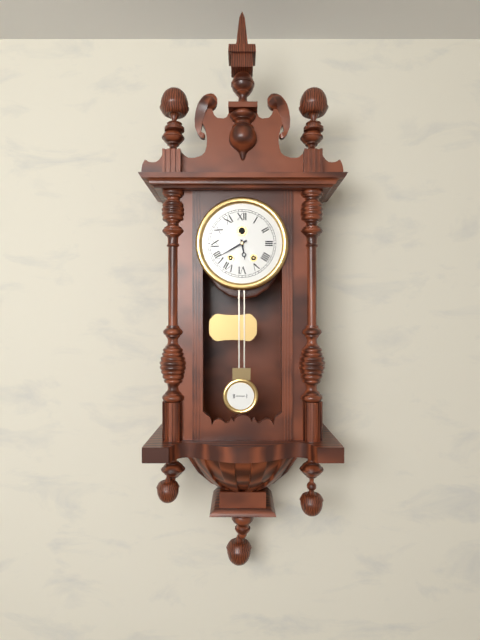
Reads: 5:40
